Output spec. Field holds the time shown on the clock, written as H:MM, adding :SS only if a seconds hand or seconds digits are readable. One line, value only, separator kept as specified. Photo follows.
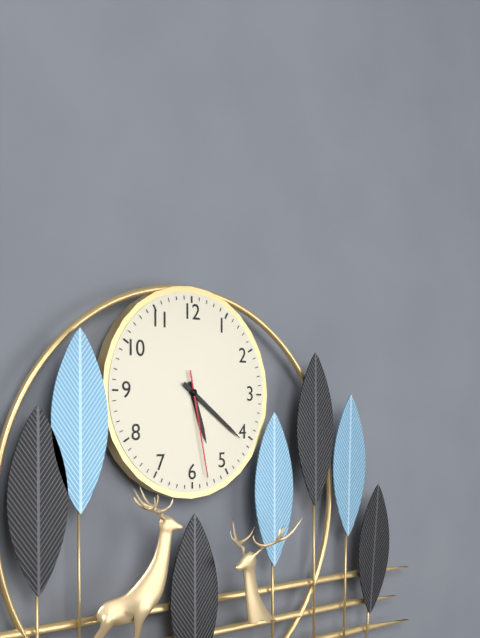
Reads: 5:21:28
